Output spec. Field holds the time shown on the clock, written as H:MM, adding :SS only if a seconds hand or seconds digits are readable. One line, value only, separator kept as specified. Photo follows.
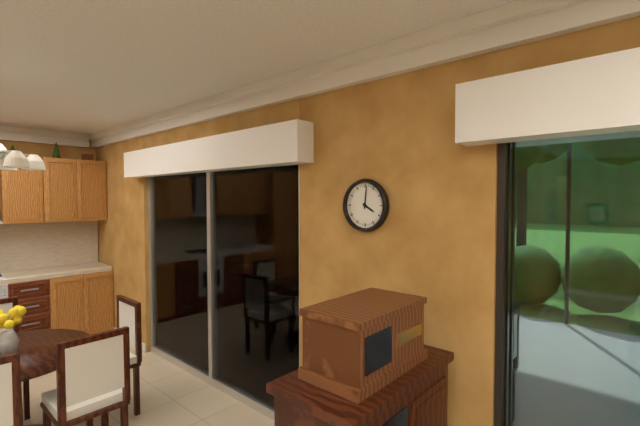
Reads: 4:01
